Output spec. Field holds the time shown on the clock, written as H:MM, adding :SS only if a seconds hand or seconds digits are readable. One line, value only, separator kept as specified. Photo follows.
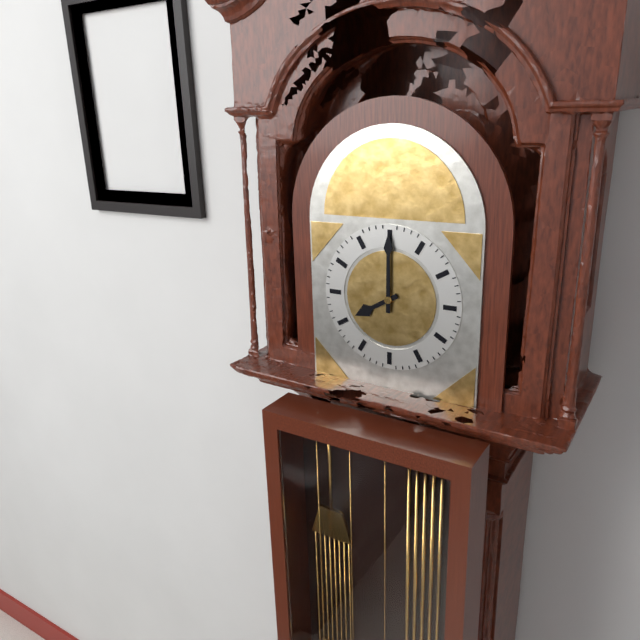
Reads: 8:00
